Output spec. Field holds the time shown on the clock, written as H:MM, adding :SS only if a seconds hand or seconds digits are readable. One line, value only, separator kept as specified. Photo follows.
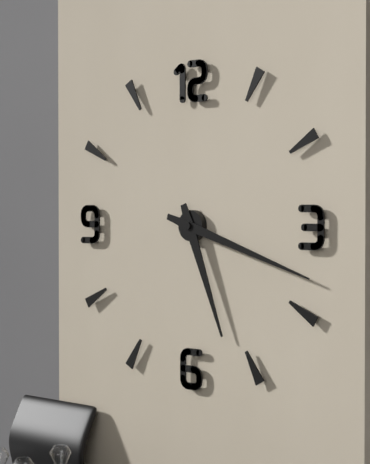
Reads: 5:18
